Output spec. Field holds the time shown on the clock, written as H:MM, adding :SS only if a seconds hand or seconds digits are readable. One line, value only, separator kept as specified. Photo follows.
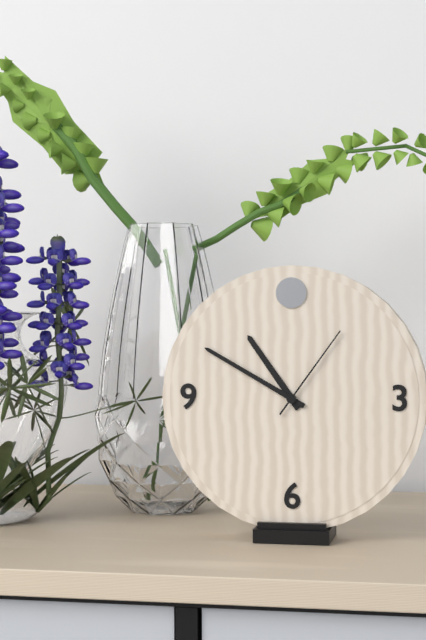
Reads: 10:50:06
